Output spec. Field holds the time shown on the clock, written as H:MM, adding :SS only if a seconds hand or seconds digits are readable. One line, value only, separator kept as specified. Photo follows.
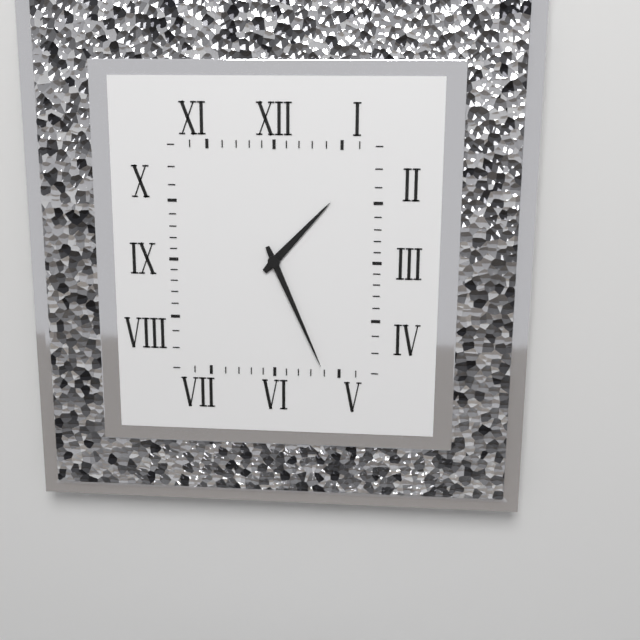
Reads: 1:26
